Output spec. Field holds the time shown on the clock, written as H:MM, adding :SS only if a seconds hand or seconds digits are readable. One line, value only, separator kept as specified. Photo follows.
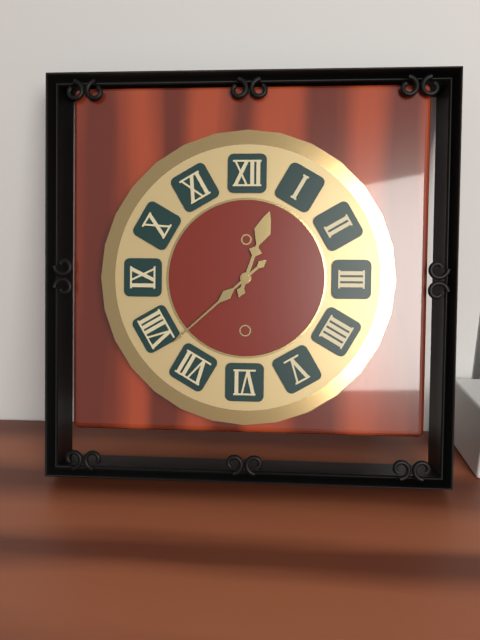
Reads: 12:38
